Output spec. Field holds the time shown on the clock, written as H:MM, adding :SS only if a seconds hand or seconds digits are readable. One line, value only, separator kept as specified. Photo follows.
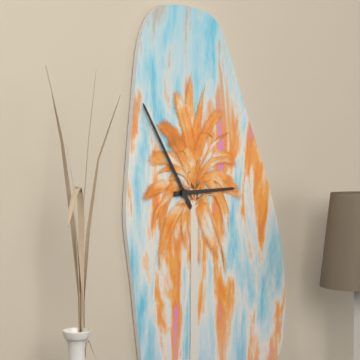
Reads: 2:55
